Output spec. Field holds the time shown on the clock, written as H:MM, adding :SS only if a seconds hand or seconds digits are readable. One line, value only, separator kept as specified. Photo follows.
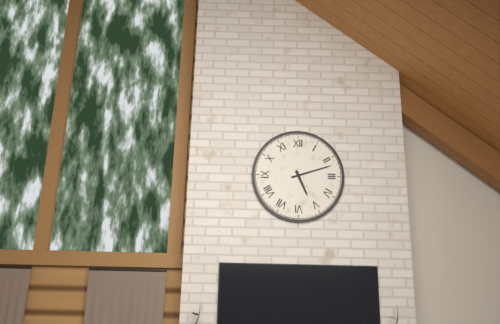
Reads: 5:12
